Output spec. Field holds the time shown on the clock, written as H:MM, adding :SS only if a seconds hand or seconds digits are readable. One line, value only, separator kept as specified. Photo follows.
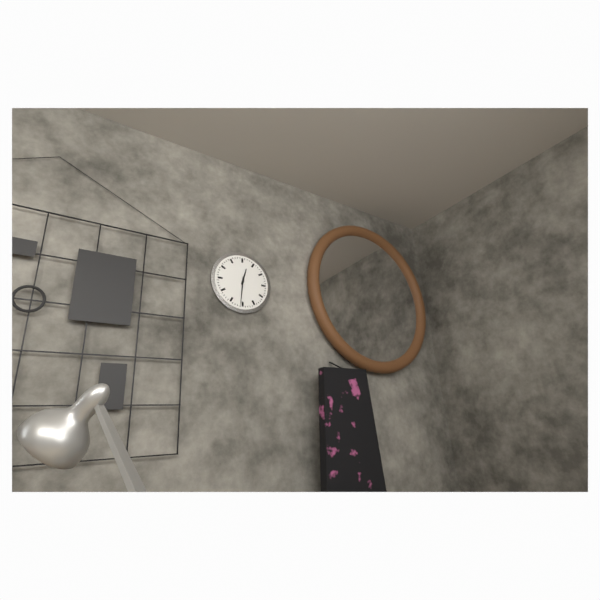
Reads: 12:31
